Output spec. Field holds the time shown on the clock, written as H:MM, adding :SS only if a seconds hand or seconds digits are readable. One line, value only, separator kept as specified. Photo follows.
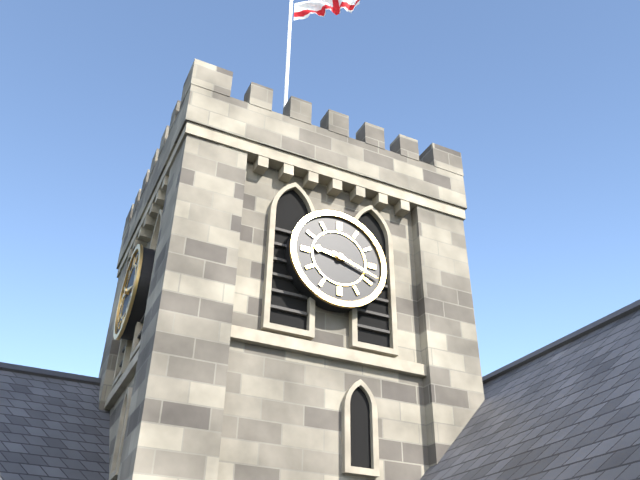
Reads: 9:18
